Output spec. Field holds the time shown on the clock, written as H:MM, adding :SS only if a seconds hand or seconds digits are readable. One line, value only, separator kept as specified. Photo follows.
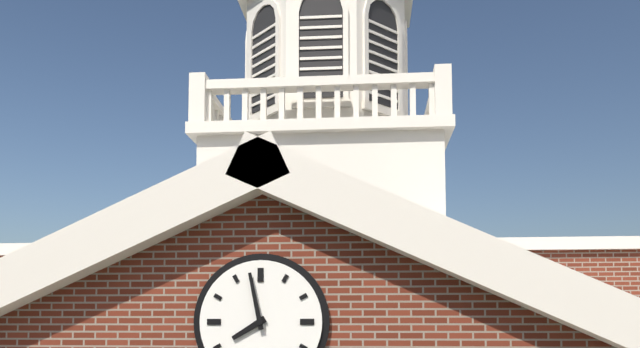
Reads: 7:58
